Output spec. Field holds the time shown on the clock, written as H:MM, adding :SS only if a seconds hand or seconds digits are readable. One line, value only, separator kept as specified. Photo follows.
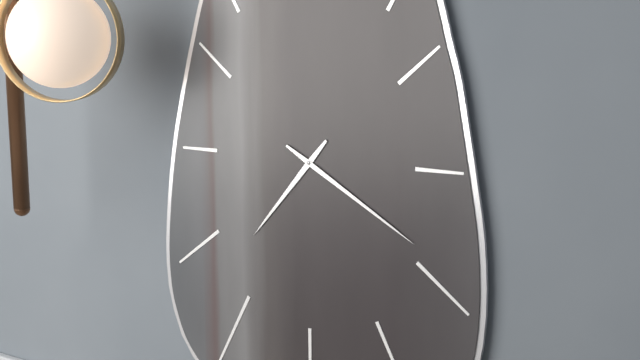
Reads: 7:20
